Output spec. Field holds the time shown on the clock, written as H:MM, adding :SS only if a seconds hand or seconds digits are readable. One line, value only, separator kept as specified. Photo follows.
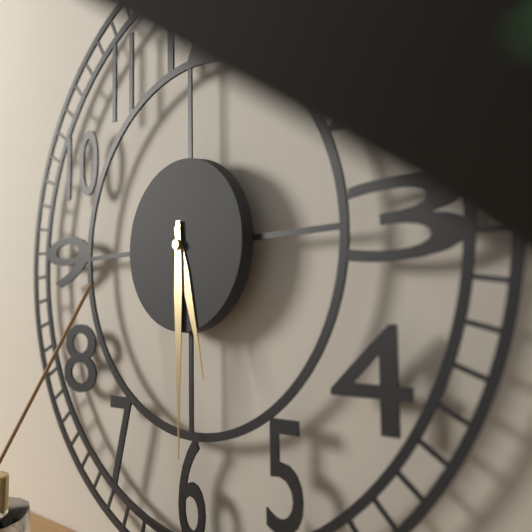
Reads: 5:30
